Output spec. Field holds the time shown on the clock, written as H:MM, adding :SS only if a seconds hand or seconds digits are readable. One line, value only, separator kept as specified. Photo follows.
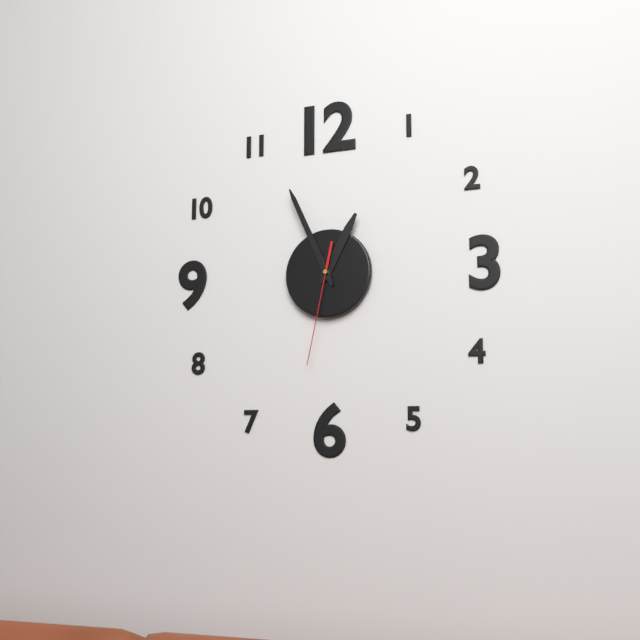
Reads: 12:56:32
